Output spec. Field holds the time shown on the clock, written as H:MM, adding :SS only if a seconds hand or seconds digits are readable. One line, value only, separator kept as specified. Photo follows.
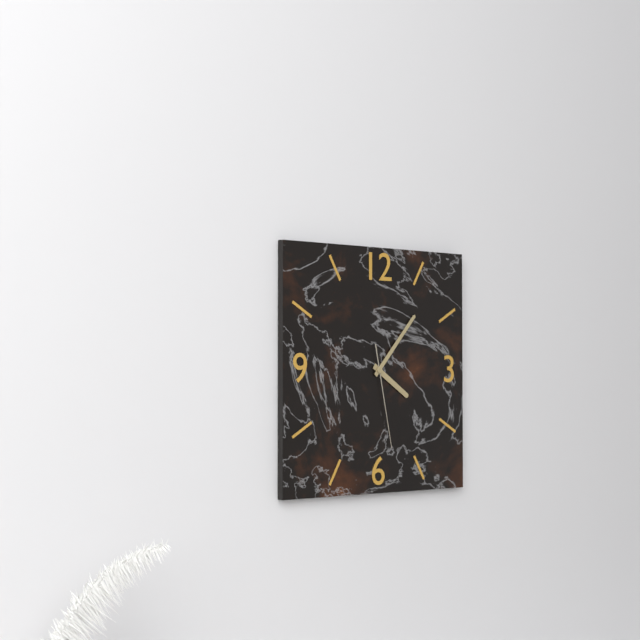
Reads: 4:07:28
